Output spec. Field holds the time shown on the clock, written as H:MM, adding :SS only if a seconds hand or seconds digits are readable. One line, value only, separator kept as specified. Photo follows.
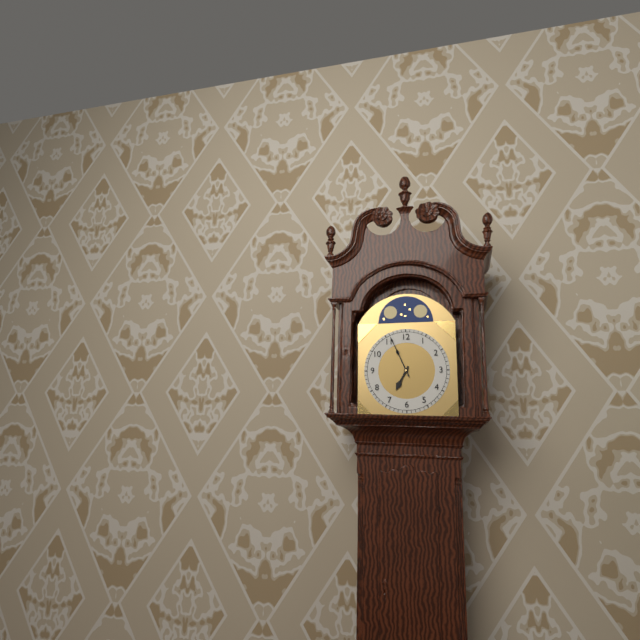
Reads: 6:56
